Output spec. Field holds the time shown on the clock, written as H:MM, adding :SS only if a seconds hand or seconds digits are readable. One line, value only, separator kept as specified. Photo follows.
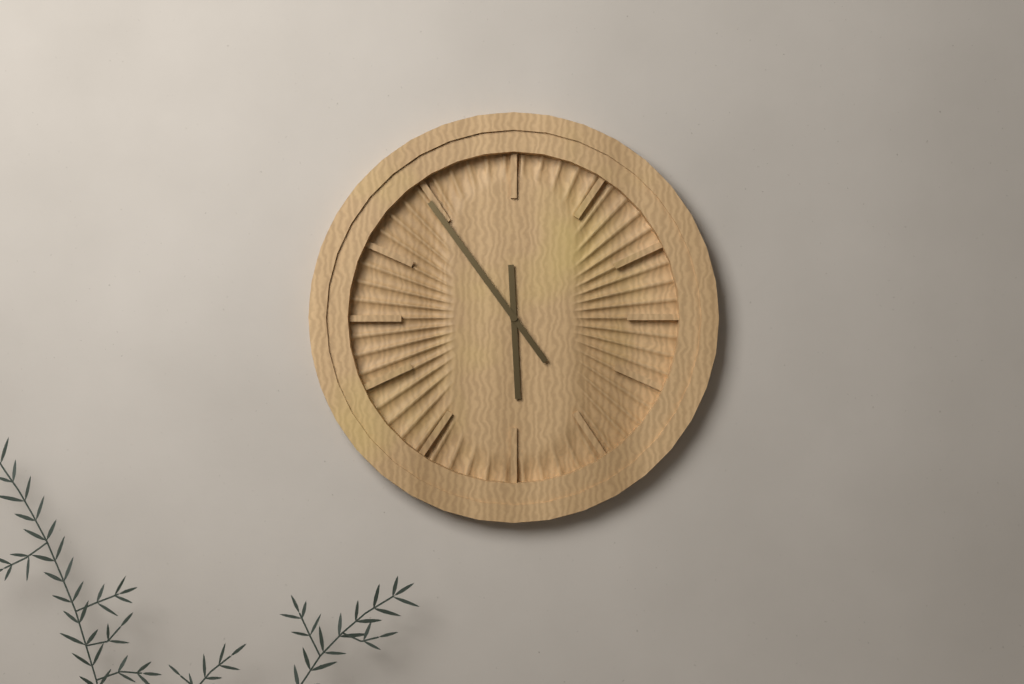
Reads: 5:54
